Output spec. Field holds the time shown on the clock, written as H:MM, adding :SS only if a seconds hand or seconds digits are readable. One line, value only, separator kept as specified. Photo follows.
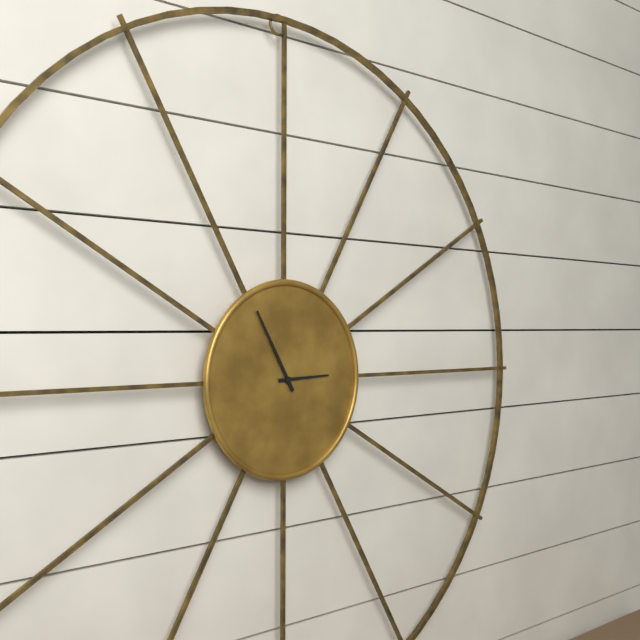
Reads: 2:55
